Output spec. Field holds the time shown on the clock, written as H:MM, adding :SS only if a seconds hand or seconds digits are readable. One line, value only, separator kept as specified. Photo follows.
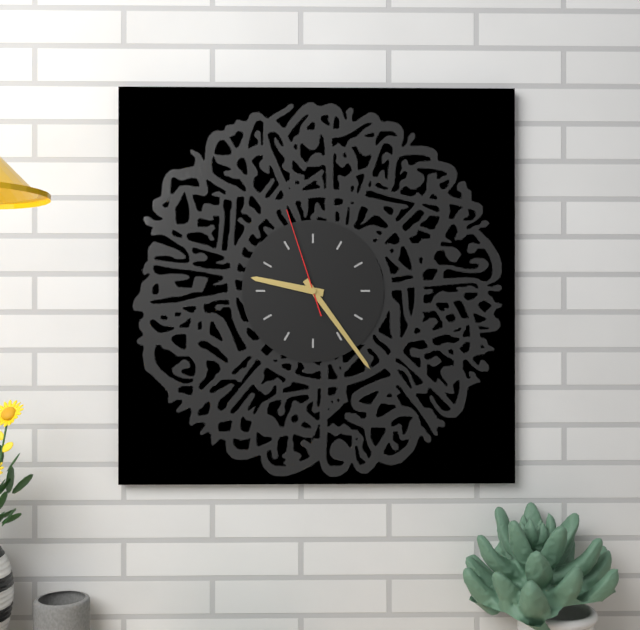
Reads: 9:24:57
